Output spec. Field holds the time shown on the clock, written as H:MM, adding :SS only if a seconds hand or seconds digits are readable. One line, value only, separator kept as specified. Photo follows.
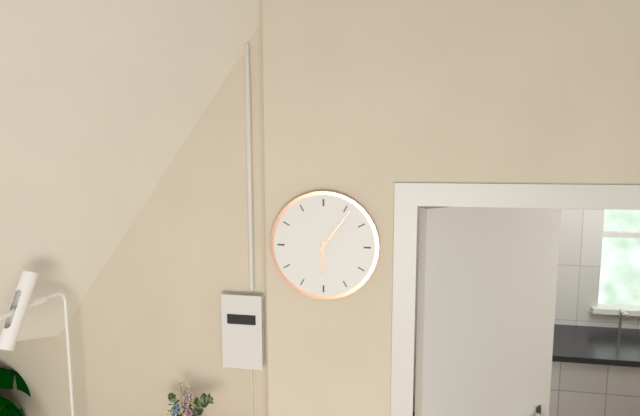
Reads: 6:06
